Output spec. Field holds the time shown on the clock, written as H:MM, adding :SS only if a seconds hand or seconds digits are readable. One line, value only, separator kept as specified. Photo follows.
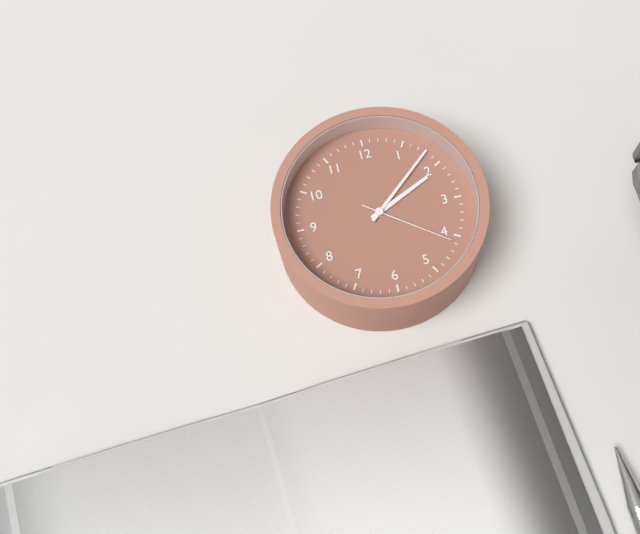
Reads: 2:08:21
